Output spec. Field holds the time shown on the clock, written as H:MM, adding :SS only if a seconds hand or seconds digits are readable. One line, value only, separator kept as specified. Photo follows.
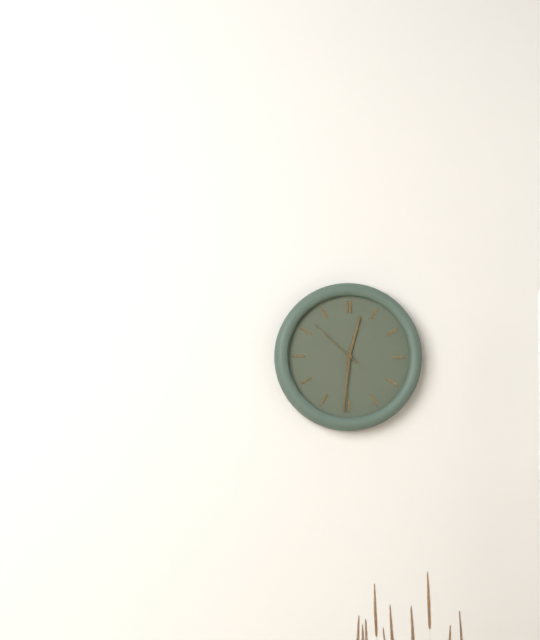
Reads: 12:31:52
